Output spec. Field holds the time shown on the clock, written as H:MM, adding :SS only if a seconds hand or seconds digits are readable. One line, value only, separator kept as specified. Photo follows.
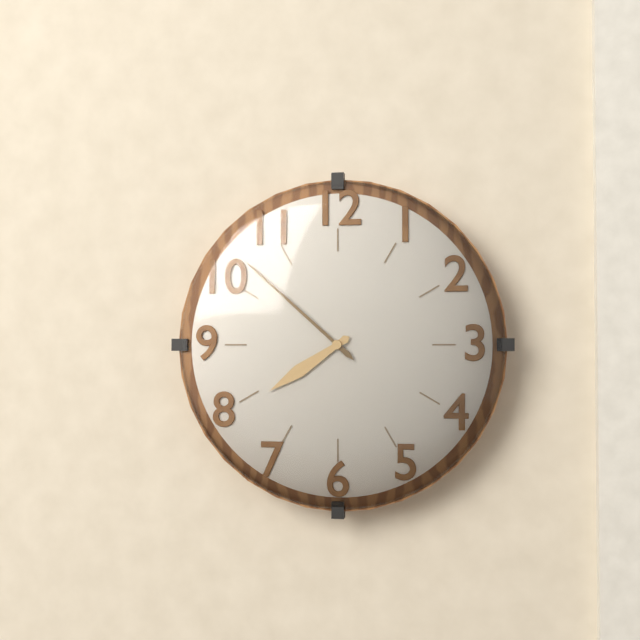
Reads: 7:52
